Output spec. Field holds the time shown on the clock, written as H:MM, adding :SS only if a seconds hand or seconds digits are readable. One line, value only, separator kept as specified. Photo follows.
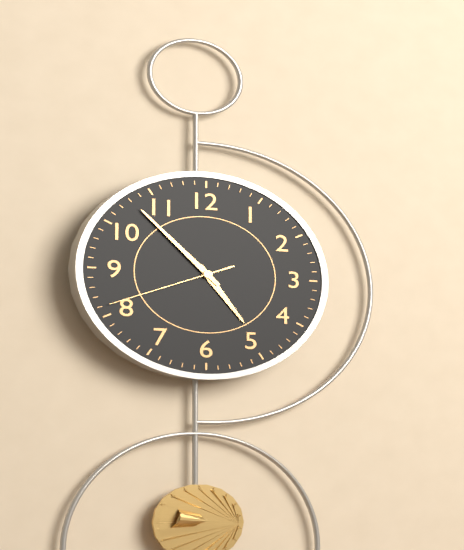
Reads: 4:53:41
